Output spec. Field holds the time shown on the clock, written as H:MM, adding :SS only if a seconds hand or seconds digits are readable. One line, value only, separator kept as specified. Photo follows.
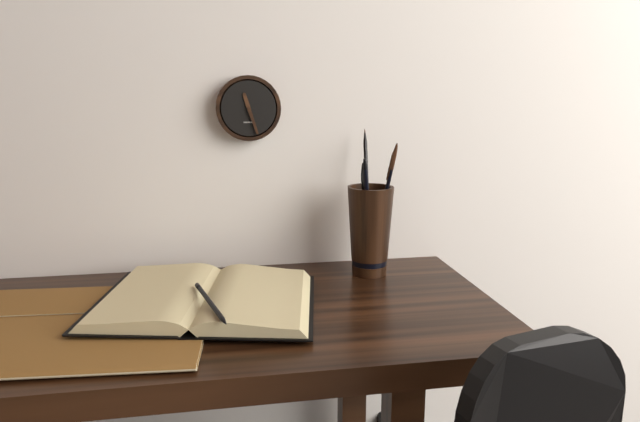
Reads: 11:27
